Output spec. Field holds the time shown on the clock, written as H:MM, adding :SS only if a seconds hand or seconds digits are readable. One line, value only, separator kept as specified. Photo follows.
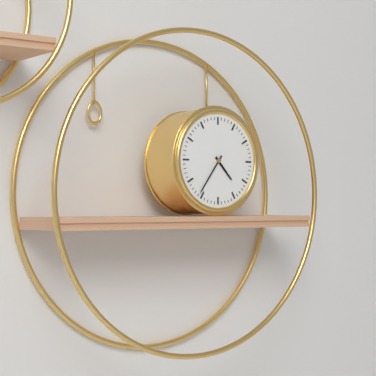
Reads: 4:36
